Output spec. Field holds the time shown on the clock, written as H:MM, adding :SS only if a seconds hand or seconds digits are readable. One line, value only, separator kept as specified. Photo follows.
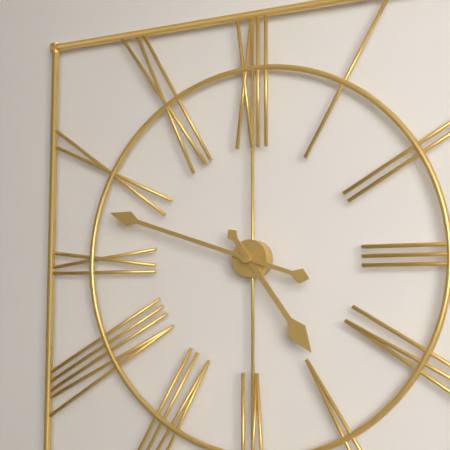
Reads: 4:48
